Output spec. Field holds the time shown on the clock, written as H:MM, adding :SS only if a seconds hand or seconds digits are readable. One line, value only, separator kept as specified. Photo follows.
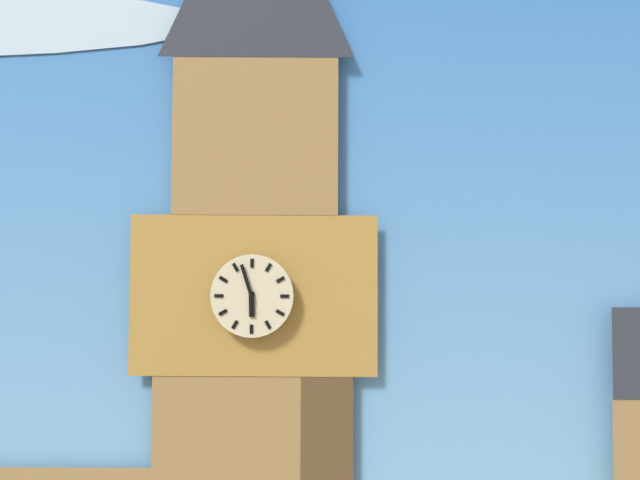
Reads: 5:57
